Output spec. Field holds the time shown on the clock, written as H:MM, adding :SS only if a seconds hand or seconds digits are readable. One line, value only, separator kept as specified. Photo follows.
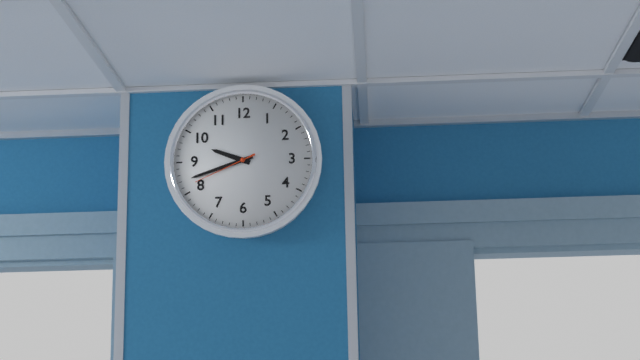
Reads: 9:42:41
